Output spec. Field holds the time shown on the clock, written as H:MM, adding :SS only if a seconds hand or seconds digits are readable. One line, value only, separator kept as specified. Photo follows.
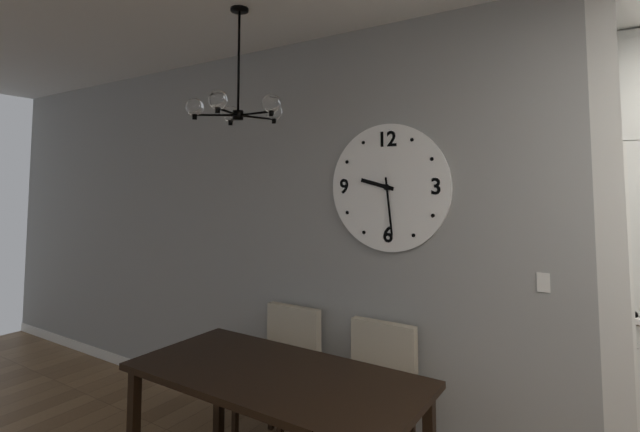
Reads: 9:29
